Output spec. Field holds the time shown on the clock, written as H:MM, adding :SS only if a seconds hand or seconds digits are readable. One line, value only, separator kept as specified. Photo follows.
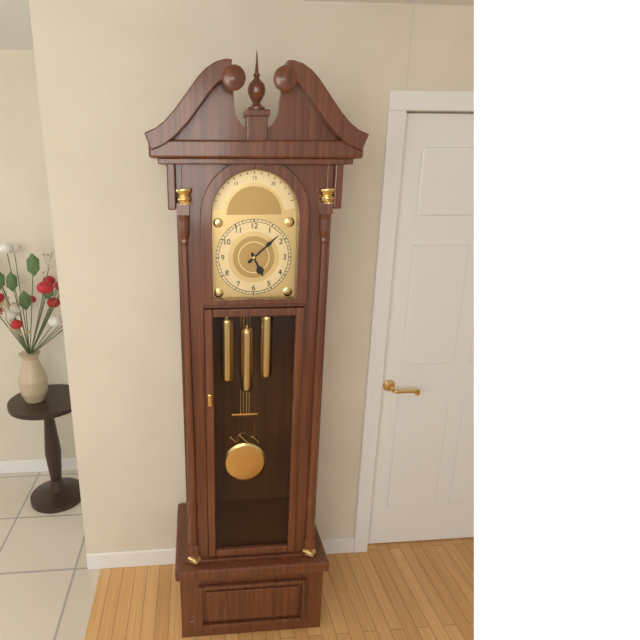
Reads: 5:08
